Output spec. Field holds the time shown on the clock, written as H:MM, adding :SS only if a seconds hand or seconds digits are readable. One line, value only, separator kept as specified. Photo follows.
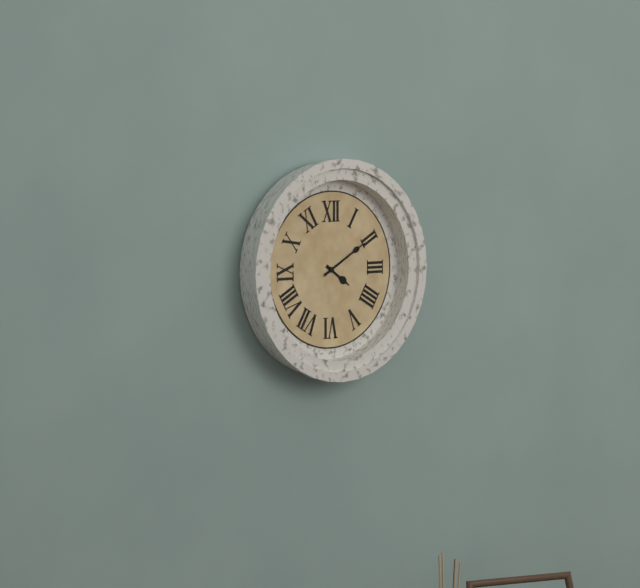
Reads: 4:10
